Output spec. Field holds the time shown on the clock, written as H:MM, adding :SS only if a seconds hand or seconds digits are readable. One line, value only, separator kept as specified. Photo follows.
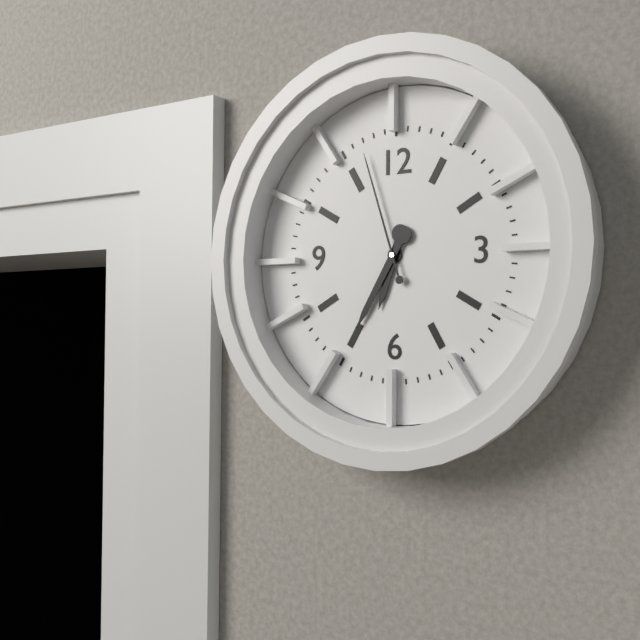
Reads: 6:35:57
